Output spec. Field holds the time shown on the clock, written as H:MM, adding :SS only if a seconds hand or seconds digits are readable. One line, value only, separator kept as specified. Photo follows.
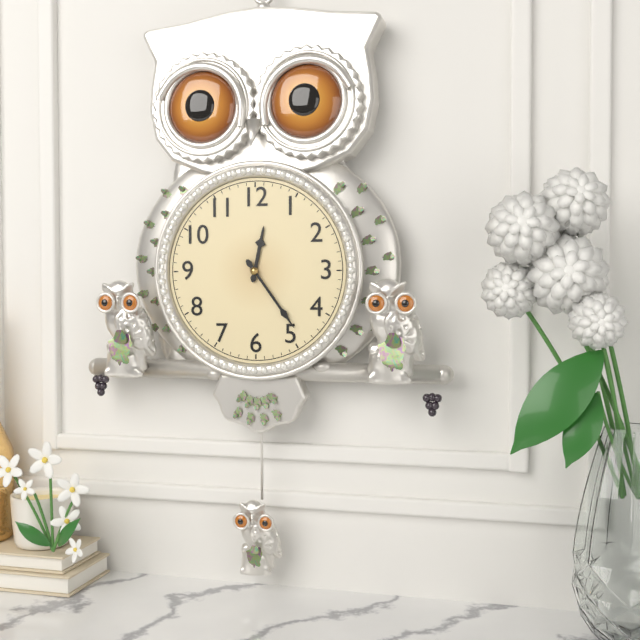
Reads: 12:24
